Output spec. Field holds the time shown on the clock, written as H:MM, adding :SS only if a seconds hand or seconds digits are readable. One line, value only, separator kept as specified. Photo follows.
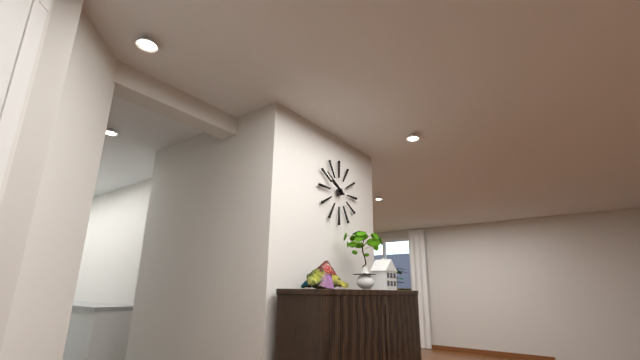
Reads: 9:50
